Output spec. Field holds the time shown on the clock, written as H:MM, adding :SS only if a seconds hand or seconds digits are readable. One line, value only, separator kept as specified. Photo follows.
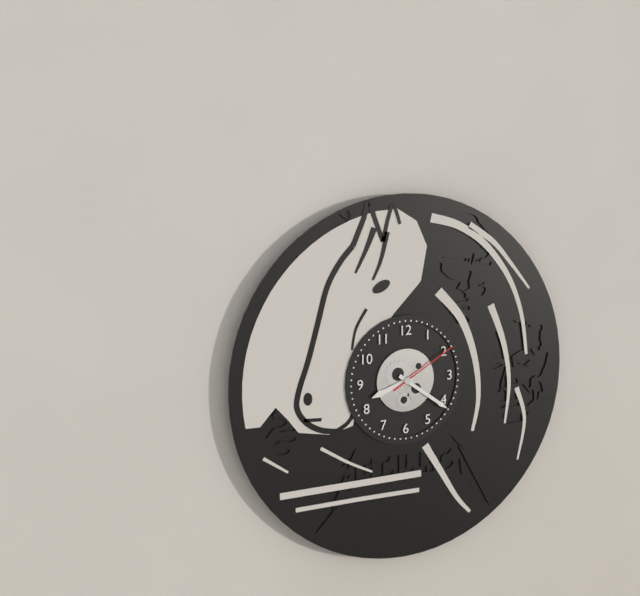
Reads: 8:21:10
